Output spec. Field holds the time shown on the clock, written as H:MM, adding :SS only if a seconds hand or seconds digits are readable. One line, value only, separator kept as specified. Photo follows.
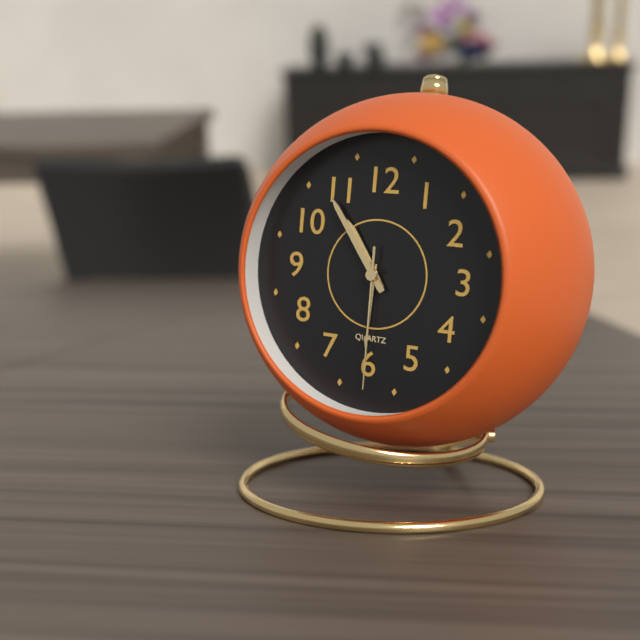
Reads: 10:54:30
